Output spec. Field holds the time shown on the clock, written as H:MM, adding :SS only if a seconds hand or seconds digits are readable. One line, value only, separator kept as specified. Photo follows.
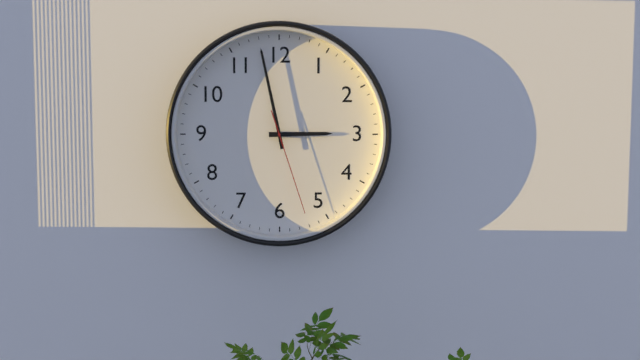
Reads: 2:58:27
